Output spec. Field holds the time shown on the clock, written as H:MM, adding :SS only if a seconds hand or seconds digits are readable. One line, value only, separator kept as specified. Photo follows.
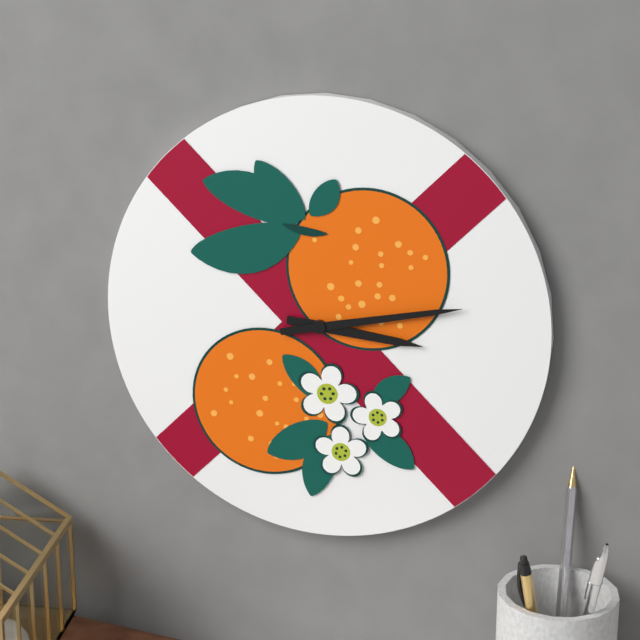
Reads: 3:13
